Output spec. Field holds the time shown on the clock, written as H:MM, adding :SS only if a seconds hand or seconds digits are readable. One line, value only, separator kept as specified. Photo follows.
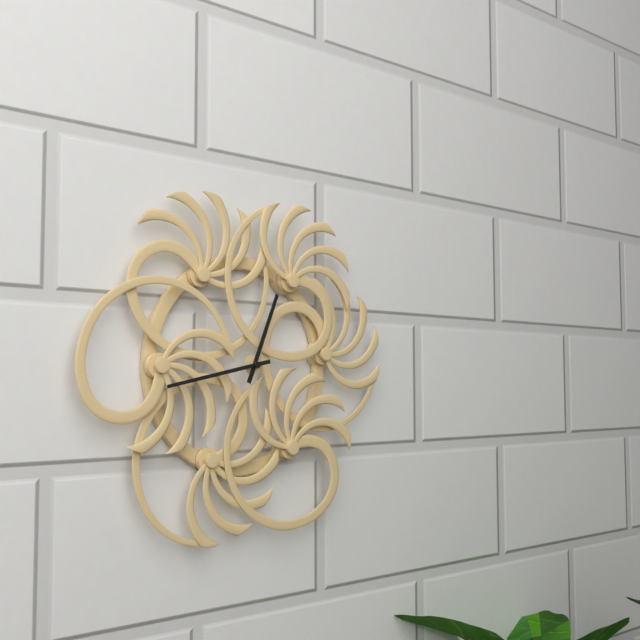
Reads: 12:43
